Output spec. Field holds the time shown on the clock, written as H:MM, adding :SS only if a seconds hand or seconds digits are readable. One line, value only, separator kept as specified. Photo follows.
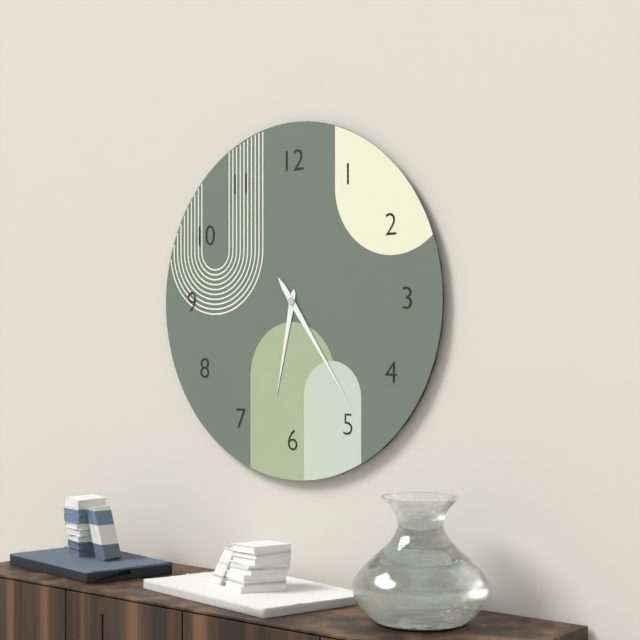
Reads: 6:24
